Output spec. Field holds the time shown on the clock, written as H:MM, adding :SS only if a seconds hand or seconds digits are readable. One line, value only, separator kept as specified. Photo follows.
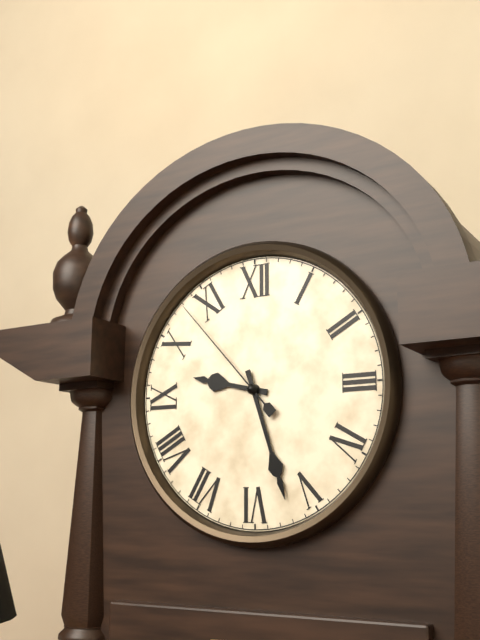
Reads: 9:27:53
